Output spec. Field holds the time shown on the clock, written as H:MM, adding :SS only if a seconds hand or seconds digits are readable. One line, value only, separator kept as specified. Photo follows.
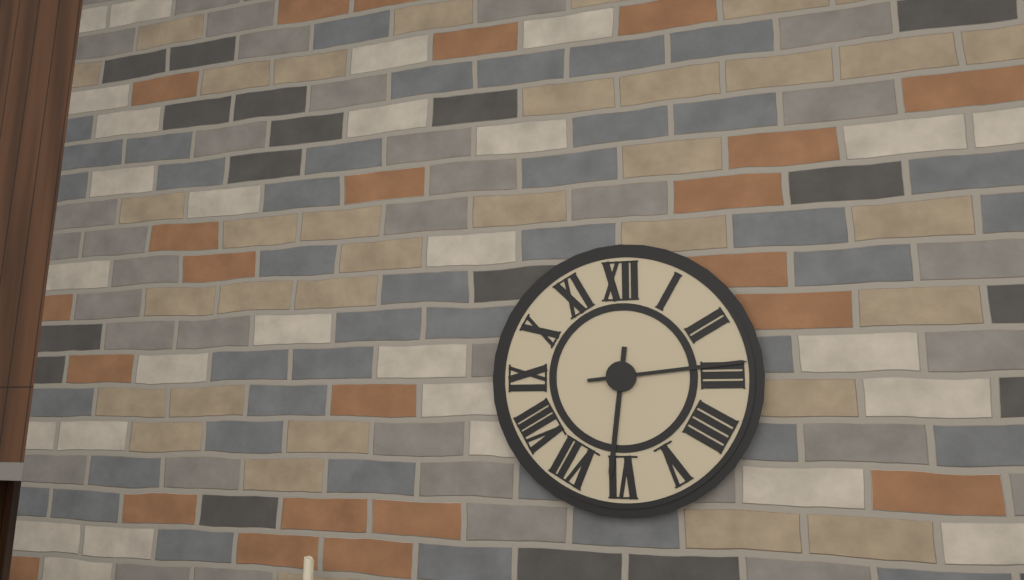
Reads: 6:14
